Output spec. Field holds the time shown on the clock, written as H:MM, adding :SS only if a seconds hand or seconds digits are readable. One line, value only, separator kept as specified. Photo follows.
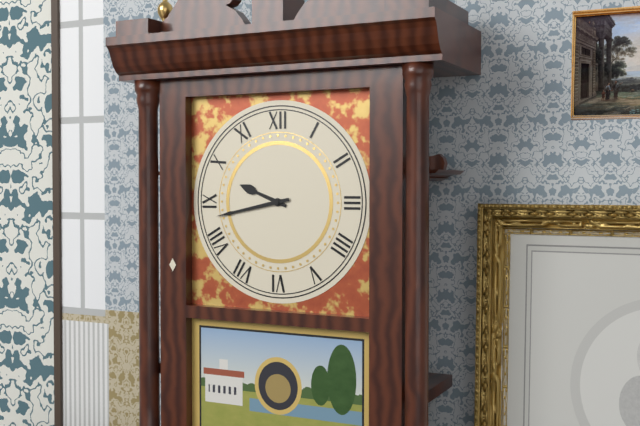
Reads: 9:43
